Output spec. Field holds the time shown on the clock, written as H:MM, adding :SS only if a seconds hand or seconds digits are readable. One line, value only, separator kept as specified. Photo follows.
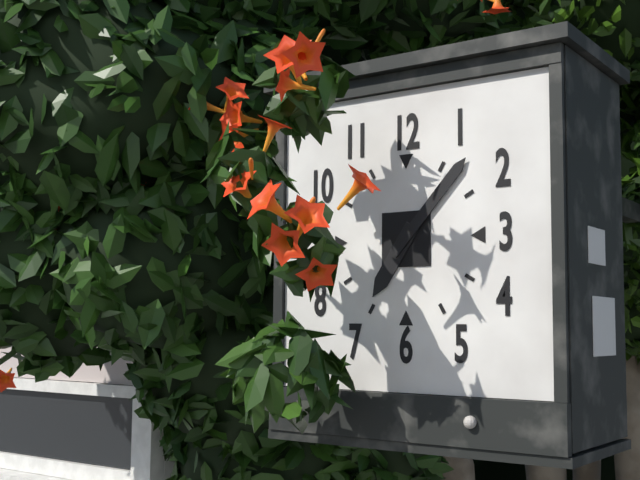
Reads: 7:07
